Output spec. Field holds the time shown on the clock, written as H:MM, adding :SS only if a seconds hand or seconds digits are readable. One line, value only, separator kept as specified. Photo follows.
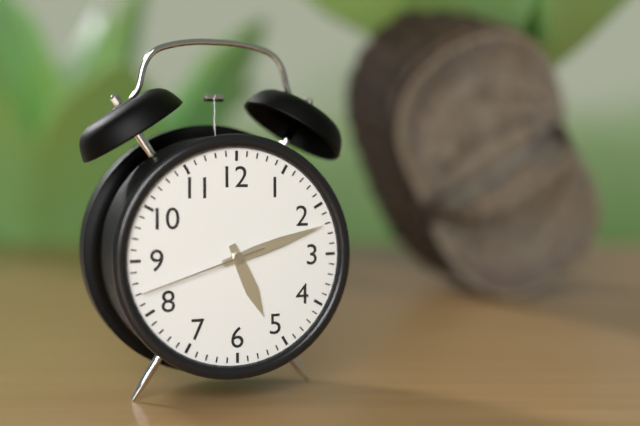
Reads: 5:12:42
